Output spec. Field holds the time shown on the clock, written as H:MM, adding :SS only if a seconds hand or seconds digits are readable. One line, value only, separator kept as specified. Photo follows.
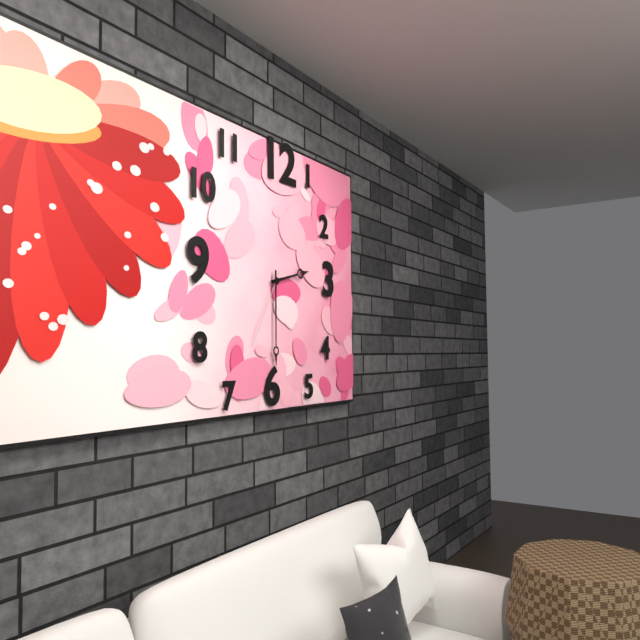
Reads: 2:30:35
